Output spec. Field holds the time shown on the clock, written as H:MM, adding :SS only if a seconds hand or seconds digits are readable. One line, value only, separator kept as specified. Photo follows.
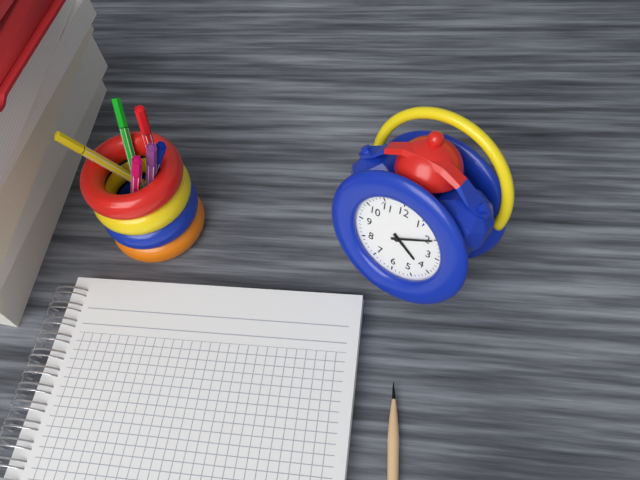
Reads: 4:10
